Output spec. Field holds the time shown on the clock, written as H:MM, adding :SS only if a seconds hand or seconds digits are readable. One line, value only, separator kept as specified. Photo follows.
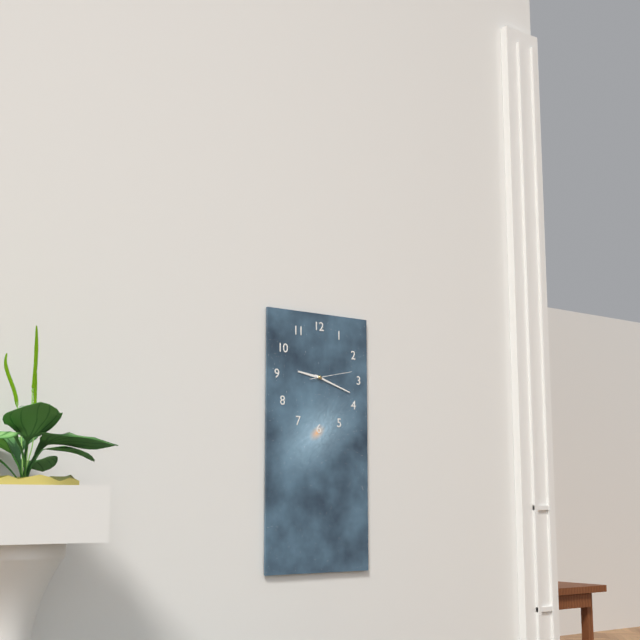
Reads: 9:18
